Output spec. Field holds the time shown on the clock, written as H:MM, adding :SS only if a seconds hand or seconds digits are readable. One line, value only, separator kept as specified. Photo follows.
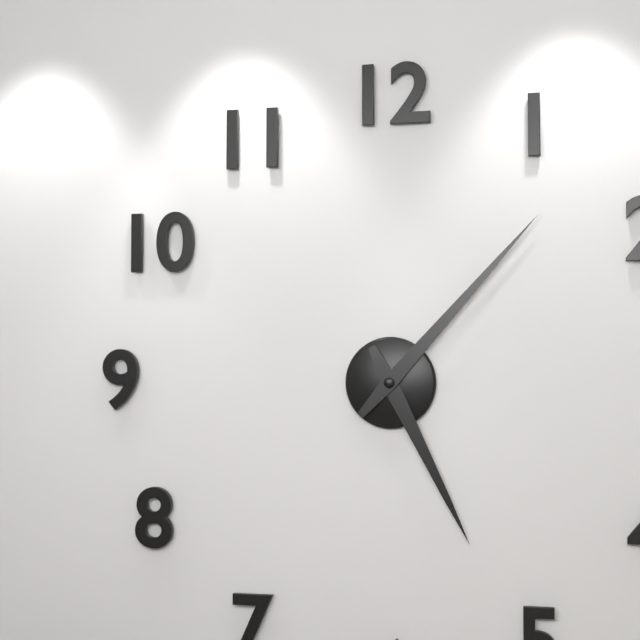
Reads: 5:07
